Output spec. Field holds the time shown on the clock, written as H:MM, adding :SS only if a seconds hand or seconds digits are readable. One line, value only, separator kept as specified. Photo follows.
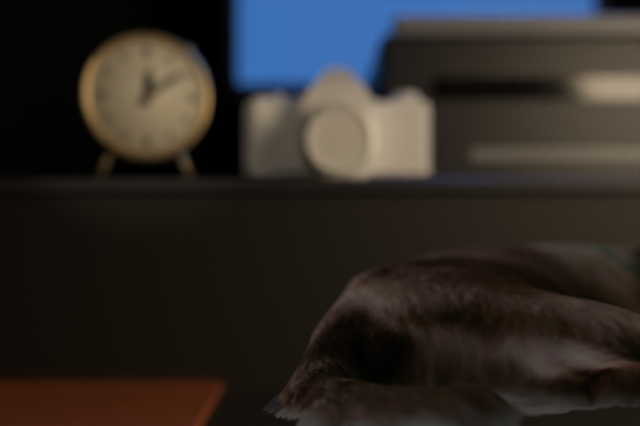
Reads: 12:09
